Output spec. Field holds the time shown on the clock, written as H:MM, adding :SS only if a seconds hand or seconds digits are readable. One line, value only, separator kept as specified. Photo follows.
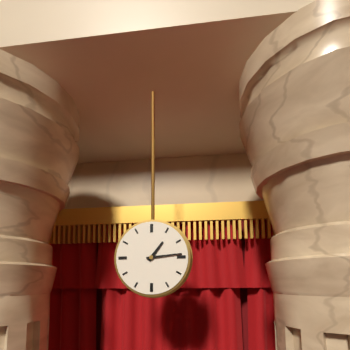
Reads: 1:14
